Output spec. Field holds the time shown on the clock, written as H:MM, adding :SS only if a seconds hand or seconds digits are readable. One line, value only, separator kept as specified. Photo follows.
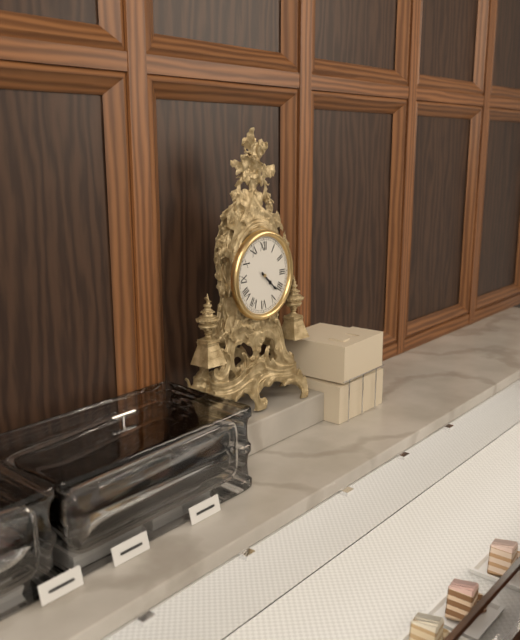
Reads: 4:22
